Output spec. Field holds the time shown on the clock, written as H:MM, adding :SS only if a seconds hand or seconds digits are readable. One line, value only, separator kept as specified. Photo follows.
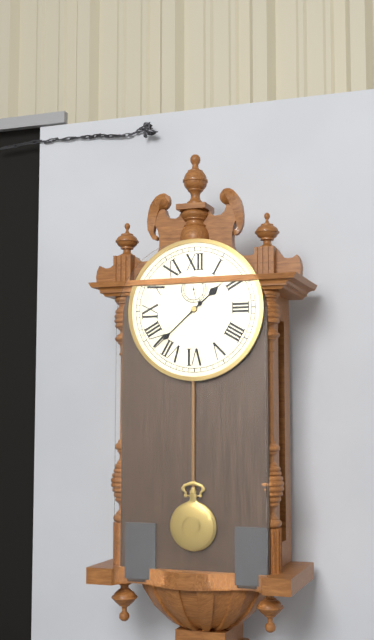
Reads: 1:38
